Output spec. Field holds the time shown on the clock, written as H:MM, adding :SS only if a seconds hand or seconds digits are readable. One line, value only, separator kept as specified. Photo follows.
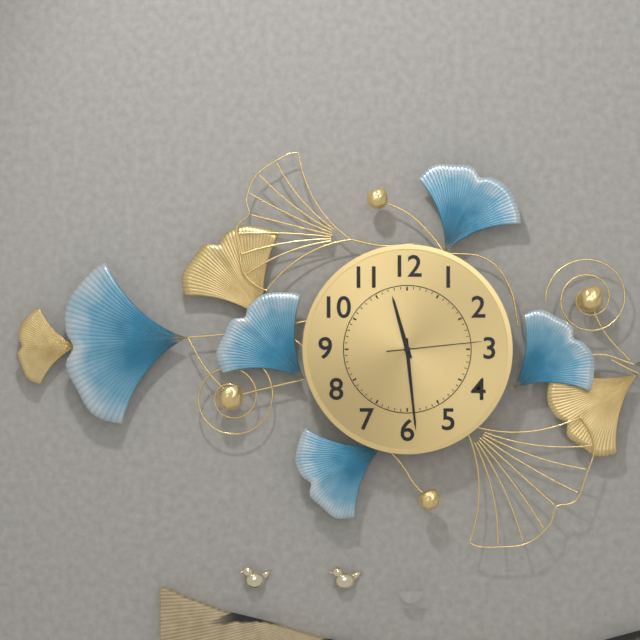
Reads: 11:29:14
